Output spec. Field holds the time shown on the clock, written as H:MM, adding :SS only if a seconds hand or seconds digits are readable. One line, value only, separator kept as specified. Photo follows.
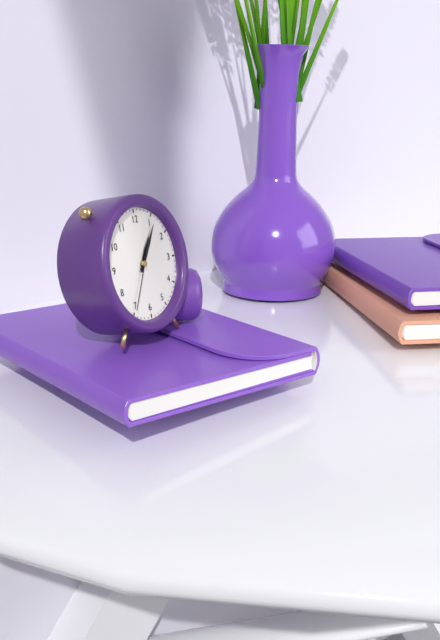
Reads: 1:06:35
